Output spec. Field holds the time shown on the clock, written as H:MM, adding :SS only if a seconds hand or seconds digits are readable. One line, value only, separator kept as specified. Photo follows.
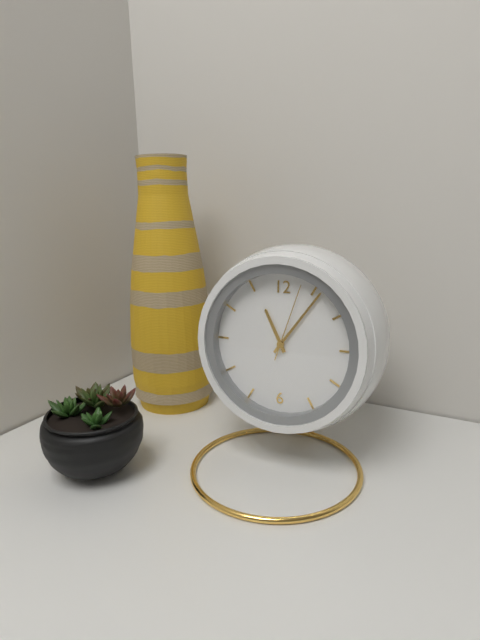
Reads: 11:06:03
